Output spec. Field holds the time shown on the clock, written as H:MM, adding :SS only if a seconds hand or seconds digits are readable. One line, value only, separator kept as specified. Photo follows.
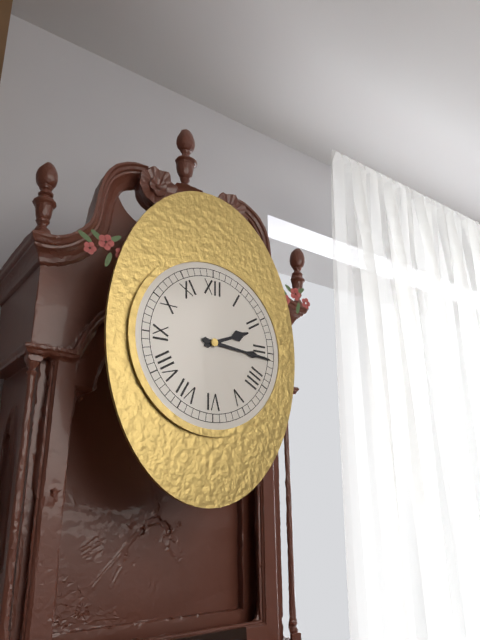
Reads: 2:16
